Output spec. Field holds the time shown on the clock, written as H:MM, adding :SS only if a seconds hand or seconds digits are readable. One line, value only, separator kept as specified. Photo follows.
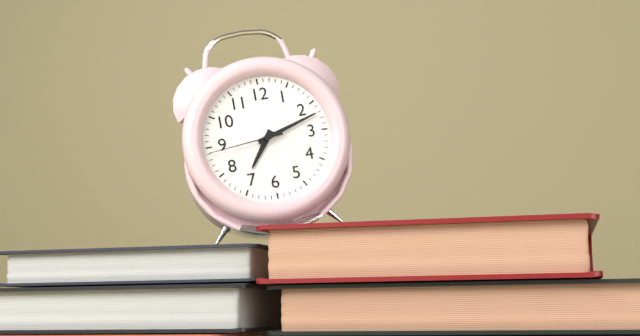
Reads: 7:12:44
